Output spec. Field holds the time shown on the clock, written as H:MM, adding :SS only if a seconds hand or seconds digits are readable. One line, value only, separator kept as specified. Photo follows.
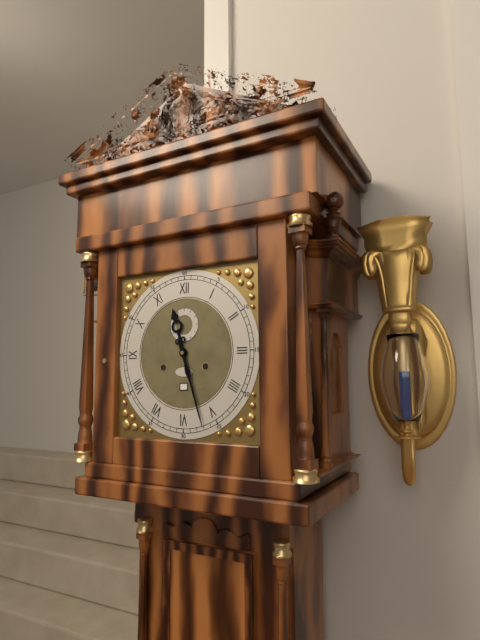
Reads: 11:27
